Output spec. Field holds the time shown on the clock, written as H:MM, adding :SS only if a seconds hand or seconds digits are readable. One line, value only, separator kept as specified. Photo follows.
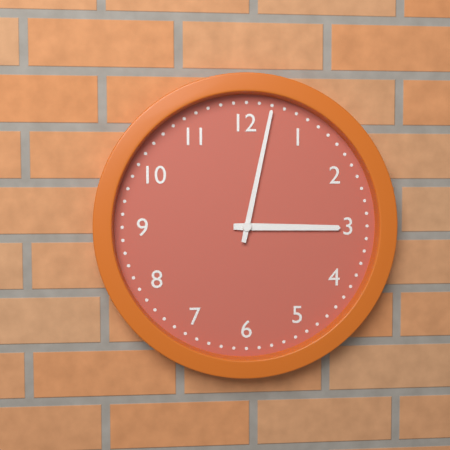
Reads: 3:02
